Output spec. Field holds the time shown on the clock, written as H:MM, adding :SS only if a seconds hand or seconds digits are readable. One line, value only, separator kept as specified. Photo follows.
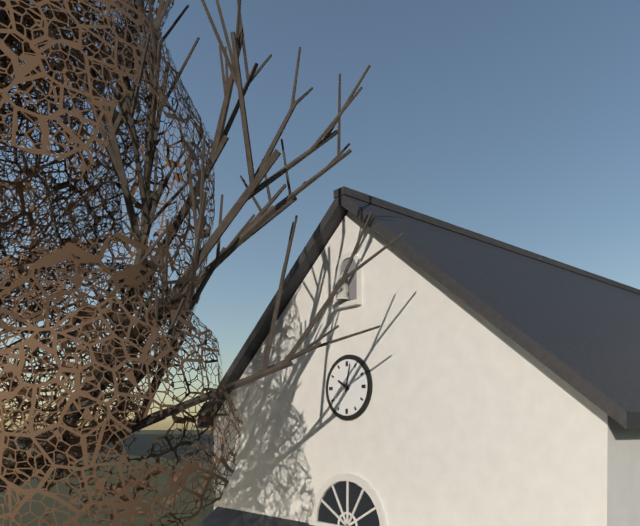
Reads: 10:02
